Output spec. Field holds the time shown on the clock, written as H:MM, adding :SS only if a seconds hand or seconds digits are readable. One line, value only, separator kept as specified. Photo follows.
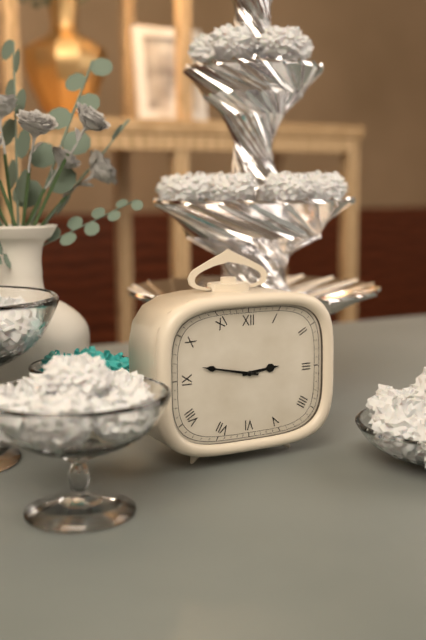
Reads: 2:47
